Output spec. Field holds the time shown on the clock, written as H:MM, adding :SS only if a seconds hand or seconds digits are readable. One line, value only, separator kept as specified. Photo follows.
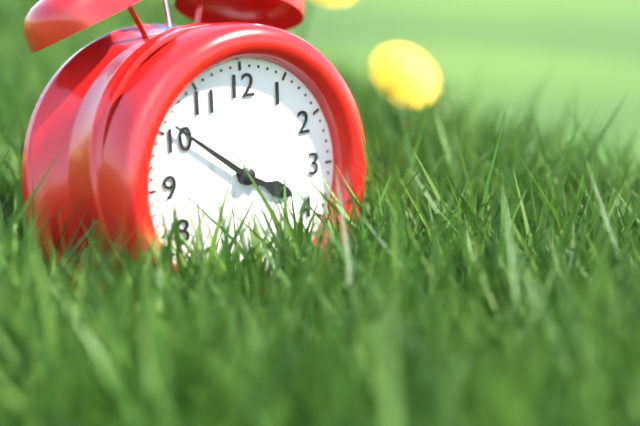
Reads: 3:51
